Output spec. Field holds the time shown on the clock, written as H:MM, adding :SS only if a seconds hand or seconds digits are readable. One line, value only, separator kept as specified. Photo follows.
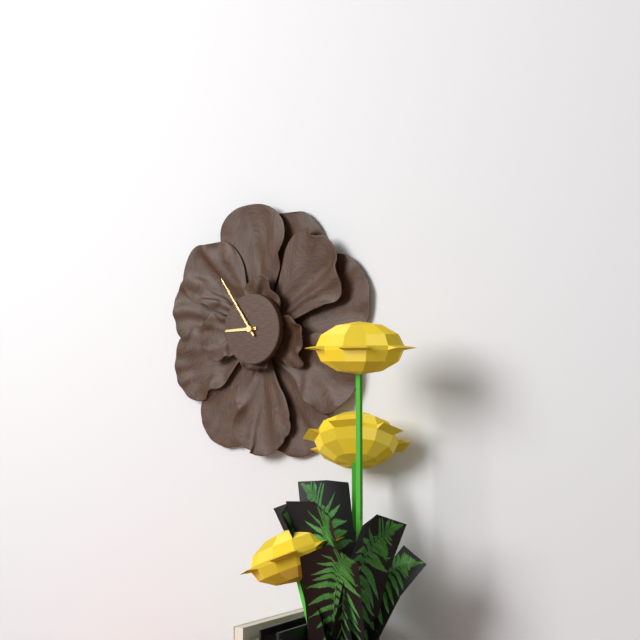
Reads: 8:54
